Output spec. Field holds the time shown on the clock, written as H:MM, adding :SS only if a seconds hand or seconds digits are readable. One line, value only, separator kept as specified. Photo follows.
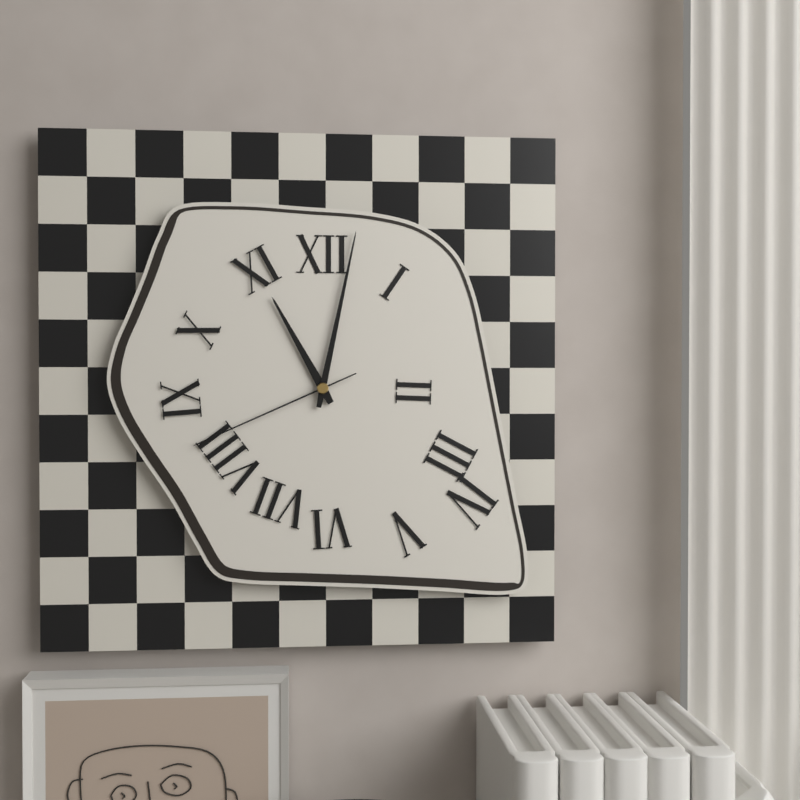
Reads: 11:02:41
